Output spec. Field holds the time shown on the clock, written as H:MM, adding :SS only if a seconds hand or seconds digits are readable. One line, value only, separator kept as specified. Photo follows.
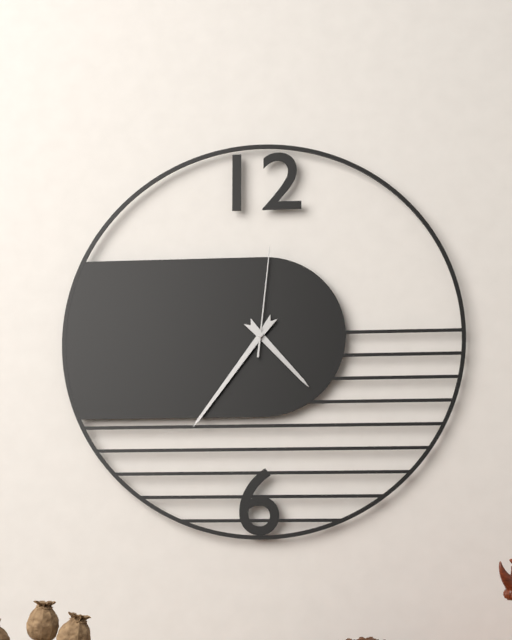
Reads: 4:36:01
